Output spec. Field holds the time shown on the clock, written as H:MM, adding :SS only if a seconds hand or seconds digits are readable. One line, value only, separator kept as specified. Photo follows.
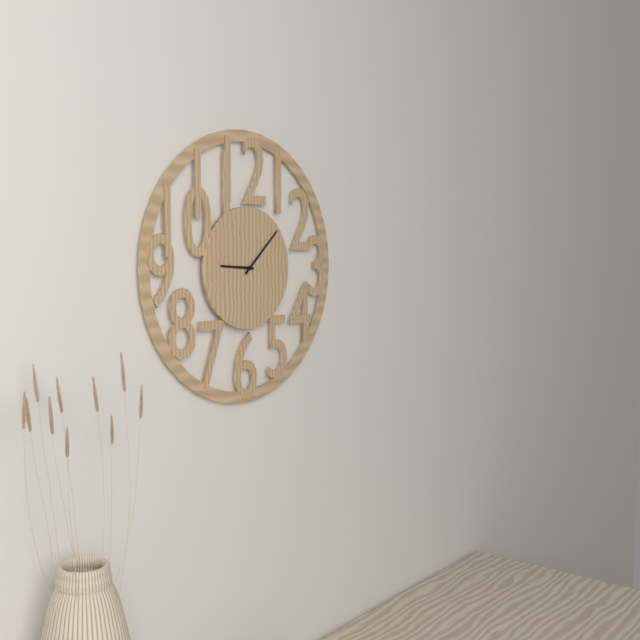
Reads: 9:08
